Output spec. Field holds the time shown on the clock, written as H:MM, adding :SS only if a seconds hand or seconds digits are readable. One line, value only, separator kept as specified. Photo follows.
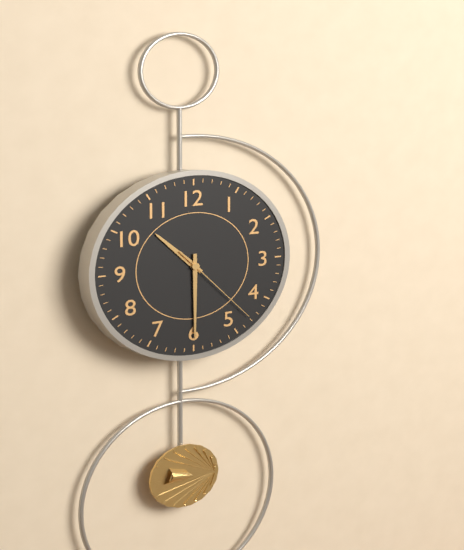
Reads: 10:30:23
